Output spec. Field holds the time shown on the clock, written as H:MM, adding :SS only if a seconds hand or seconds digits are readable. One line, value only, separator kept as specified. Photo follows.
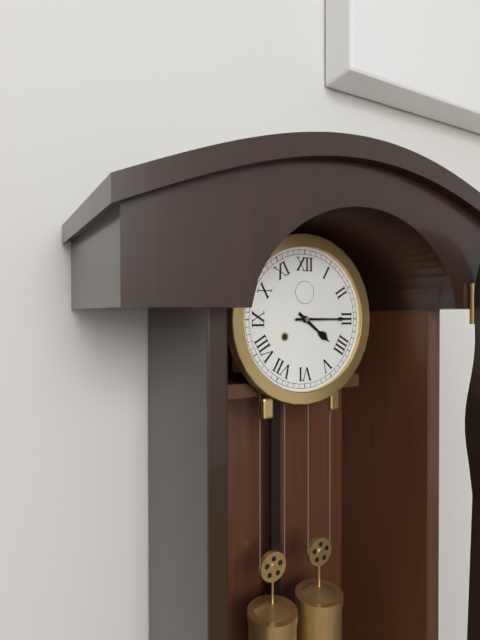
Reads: 4:15
